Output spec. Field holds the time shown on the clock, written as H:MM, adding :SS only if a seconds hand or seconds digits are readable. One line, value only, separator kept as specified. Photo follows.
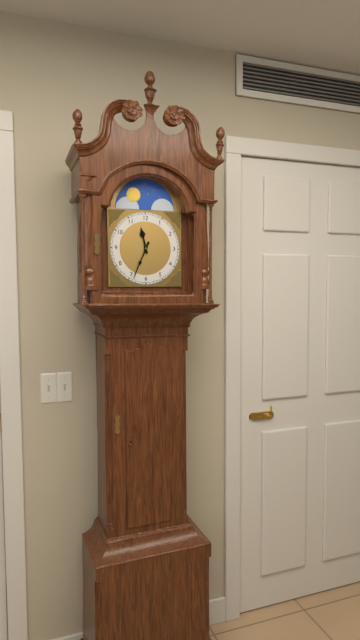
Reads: 11:34
